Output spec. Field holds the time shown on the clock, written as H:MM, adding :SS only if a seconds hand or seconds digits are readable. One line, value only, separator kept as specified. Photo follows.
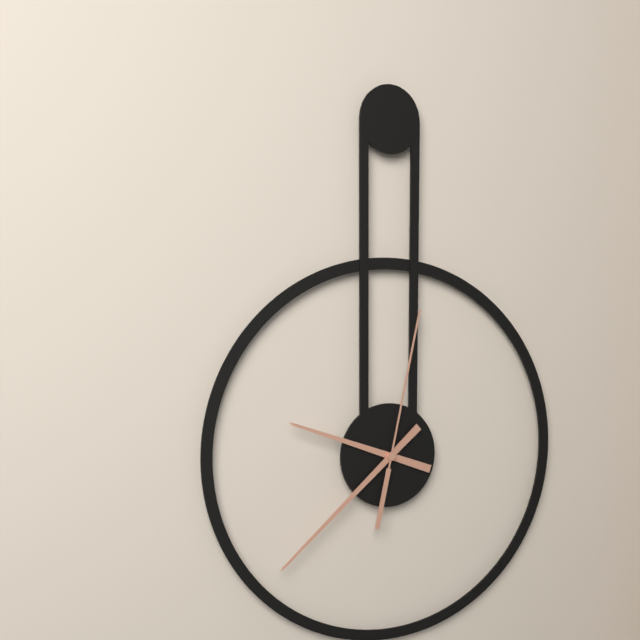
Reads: 9:38:02
